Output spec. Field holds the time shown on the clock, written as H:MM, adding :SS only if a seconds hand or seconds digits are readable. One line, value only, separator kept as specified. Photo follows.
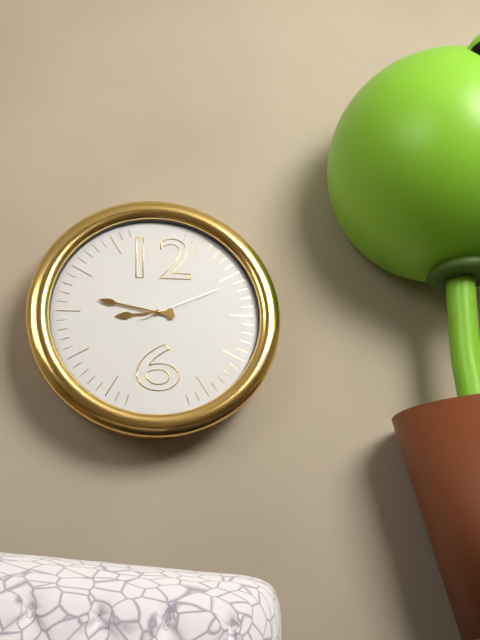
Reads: 8:47:11
